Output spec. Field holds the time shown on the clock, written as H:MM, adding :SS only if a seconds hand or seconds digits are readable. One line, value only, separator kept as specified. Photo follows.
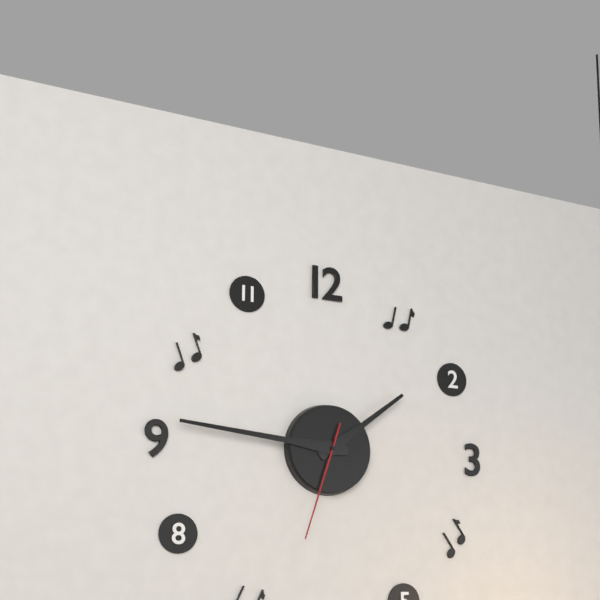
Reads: 1:46:33
